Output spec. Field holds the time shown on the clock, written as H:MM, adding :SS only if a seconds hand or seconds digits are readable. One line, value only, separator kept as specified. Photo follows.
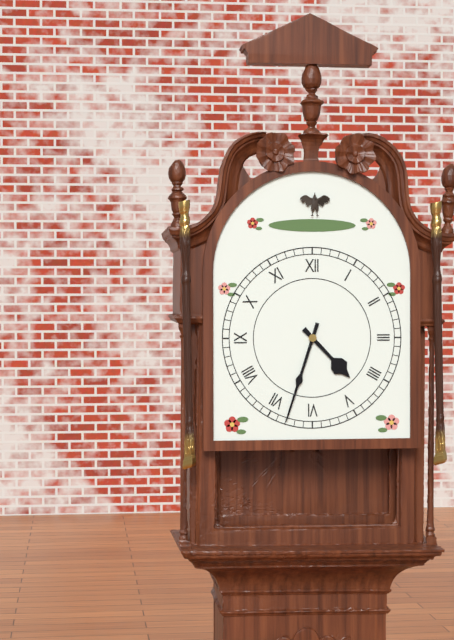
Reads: 4:33
